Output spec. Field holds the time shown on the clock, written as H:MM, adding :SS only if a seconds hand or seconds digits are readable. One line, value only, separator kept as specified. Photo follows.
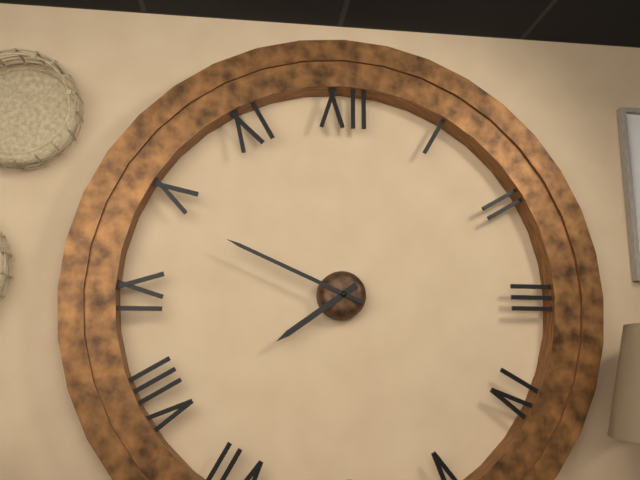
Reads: 7:49
